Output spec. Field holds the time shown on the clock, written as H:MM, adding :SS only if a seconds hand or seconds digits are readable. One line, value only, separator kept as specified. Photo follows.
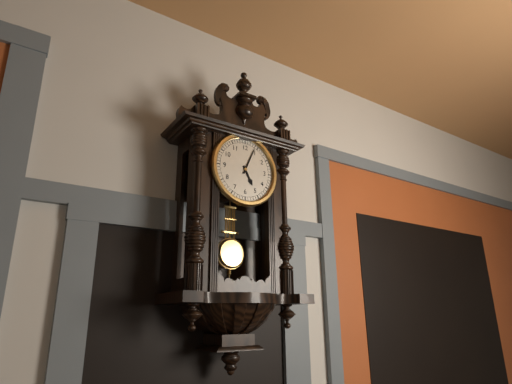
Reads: 5:04
